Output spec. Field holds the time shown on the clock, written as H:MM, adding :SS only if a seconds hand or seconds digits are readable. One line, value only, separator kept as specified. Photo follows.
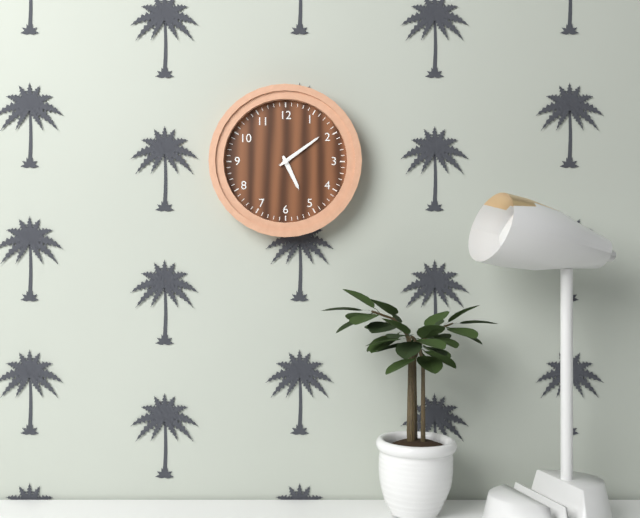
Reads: 5:09
